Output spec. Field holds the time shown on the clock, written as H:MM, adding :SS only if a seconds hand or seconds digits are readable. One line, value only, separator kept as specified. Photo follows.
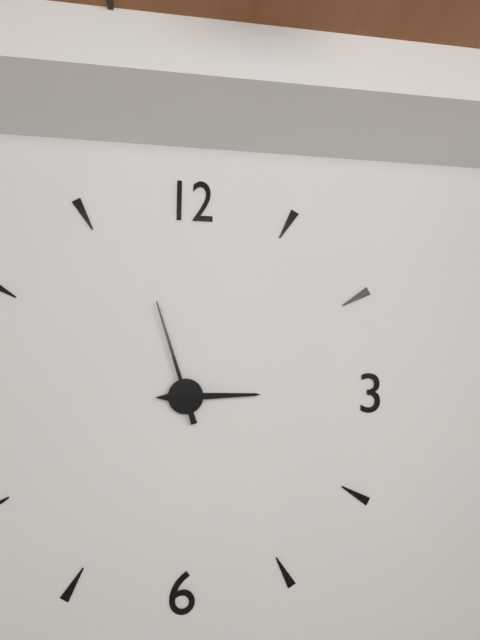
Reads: 2:57
